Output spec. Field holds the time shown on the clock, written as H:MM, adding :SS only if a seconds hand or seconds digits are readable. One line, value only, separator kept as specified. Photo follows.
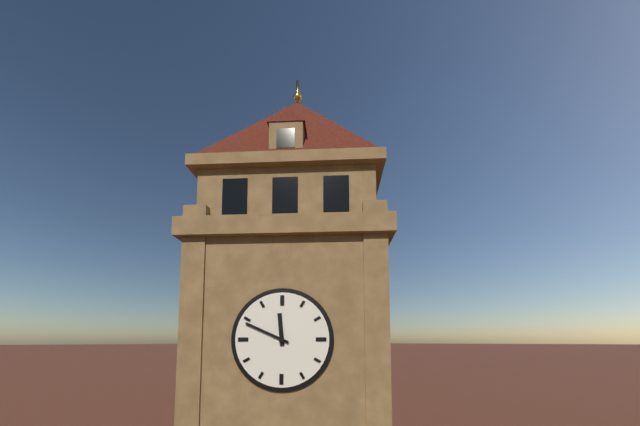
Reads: 11:49
